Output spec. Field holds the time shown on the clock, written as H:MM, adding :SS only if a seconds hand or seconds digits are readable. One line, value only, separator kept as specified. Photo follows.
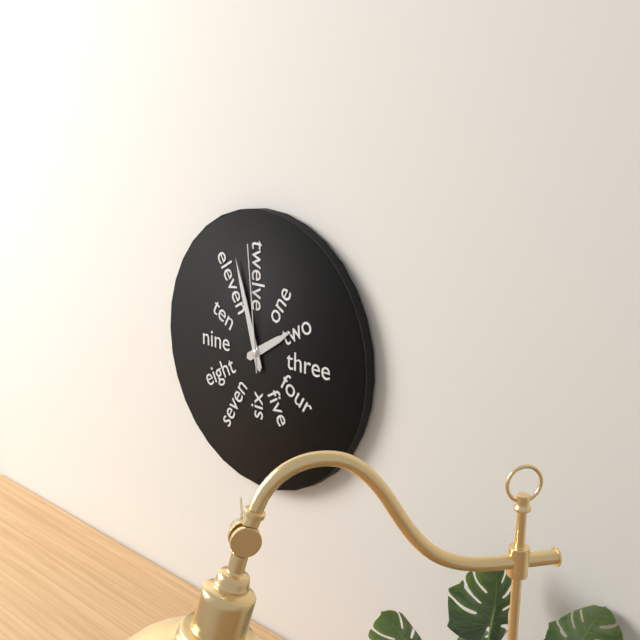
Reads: 1:57:59
